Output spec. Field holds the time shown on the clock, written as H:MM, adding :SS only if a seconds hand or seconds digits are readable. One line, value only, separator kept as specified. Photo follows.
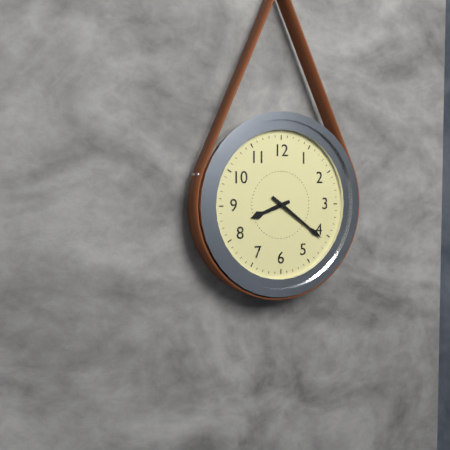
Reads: 8:21
